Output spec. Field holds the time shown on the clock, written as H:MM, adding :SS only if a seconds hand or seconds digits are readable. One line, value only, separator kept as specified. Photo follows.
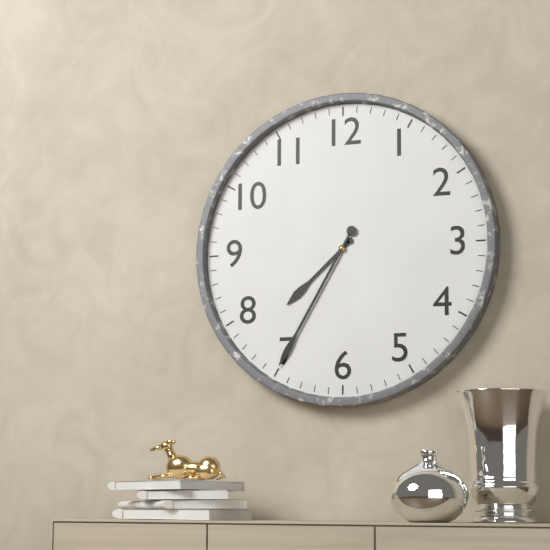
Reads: 7:35
